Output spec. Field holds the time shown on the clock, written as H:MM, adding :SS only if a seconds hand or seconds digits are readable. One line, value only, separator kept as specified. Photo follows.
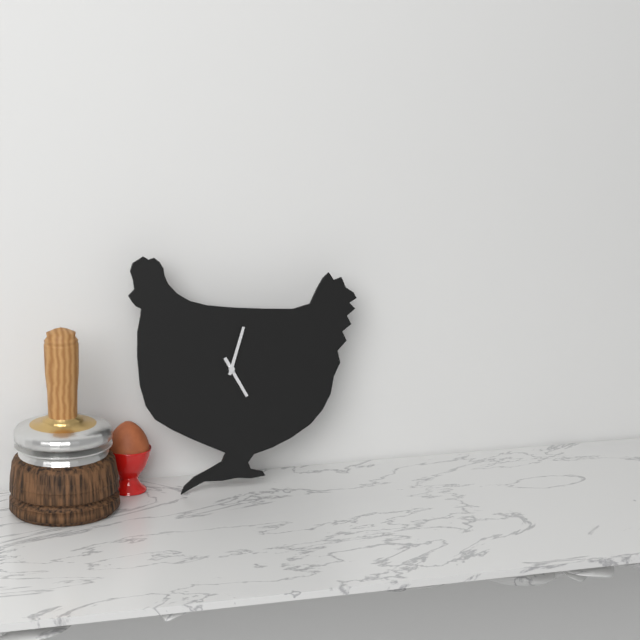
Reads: 5:03
